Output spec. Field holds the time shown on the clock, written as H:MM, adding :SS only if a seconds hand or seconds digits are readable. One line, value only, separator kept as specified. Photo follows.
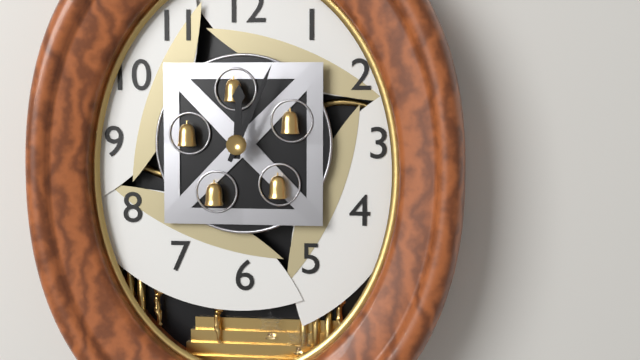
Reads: 12:04
